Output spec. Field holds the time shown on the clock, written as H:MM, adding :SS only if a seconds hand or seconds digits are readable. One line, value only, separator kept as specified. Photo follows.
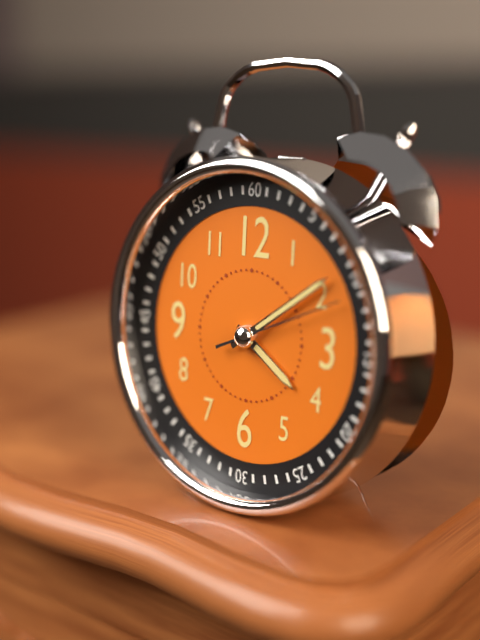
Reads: 4:09:11
